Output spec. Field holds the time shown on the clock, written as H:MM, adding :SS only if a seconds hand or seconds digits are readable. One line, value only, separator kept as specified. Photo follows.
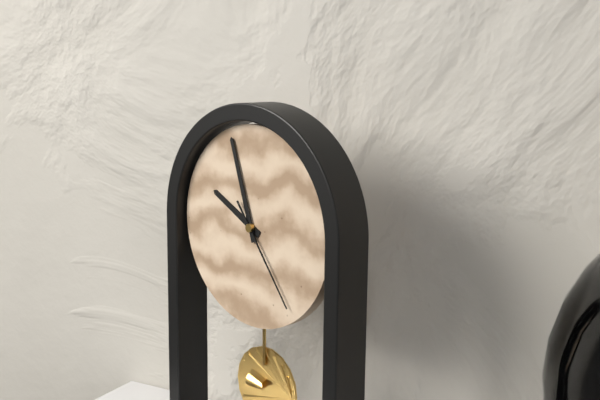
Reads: 9:57:24
